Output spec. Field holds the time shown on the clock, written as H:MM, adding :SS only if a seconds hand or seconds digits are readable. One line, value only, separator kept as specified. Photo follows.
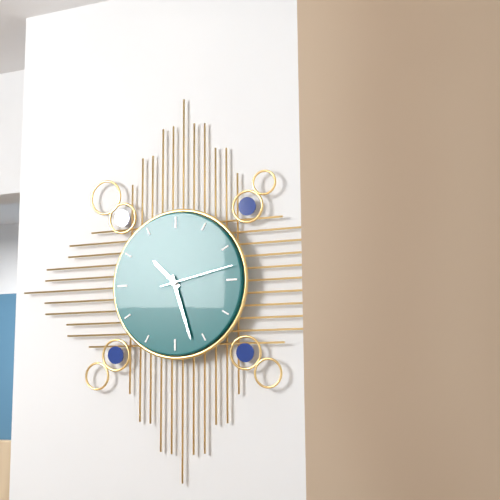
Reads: 10:27:13
